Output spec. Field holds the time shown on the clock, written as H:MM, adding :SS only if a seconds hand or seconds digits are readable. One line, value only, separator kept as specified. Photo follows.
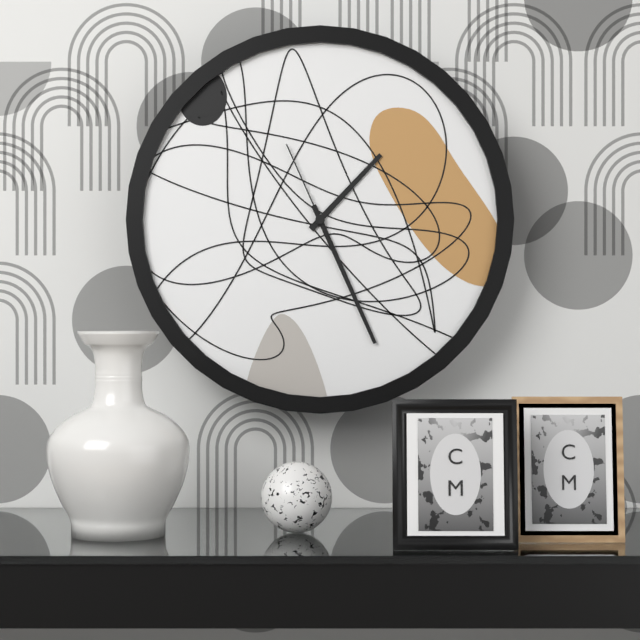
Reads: 1:26:56
